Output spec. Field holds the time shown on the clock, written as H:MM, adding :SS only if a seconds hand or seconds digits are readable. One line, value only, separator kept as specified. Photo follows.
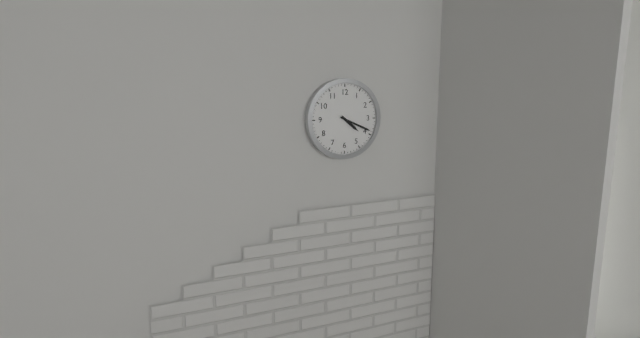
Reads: 4:19
